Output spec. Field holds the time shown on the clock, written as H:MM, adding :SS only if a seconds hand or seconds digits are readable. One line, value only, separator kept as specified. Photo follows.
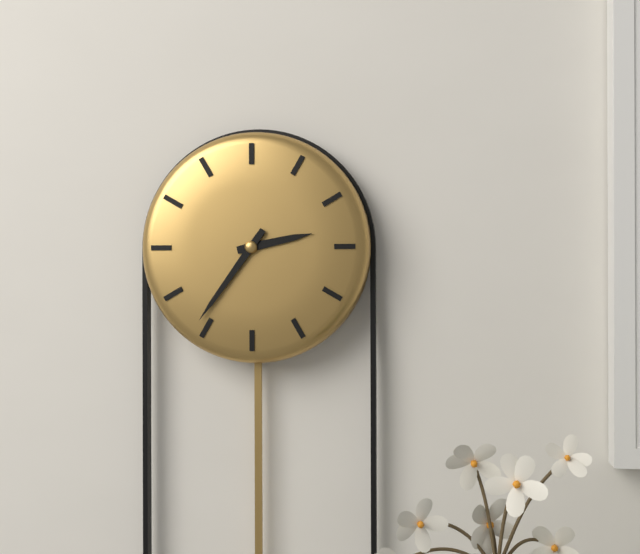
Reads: 2:36
